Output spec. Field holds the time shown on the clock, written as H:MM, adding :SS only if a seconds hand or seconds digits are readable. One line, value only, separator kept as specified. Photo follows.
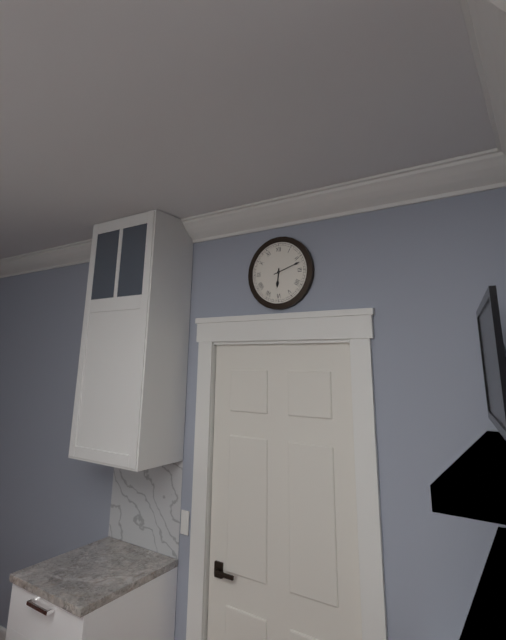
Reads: 6:12
